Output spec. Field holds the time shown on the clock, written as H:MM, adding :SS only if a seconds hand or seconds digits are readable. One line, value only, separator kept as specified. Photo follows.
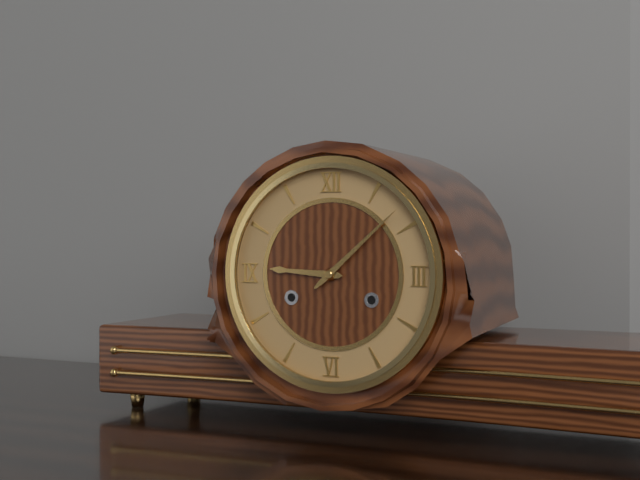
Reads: 9:08
